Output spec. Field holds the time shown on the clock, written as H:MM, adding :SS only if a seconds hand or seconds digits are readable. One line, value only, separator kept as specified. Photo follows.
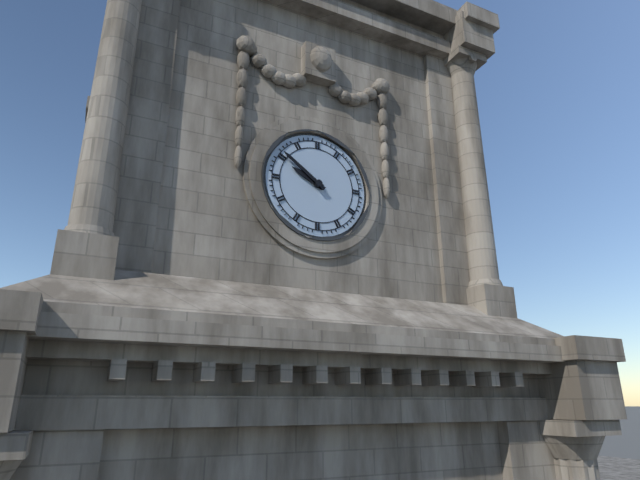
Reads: 9:51
